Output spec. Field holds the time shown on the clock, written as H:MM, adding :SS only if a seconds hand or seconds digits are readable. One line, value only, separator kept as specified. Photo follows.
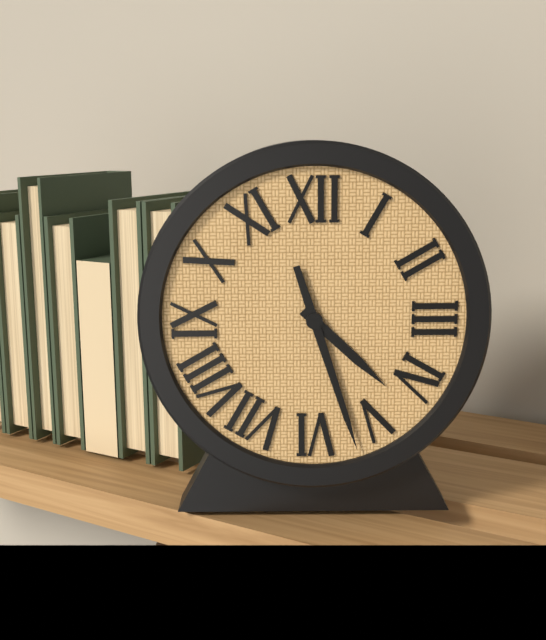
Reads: 4:27
